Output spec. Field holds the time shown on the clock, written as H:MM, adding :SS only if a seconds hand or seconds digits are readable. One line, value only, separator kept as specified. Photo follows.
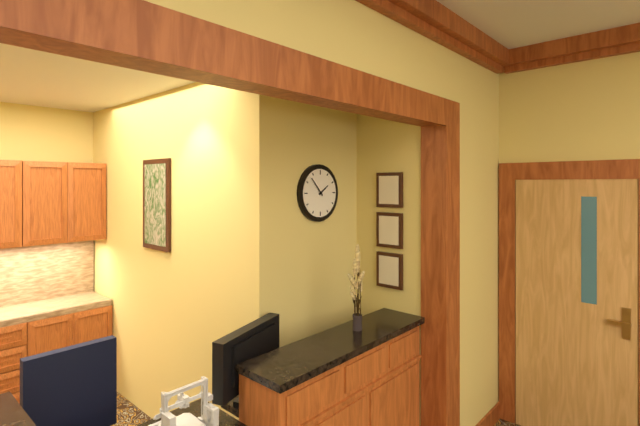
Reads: 1:53
